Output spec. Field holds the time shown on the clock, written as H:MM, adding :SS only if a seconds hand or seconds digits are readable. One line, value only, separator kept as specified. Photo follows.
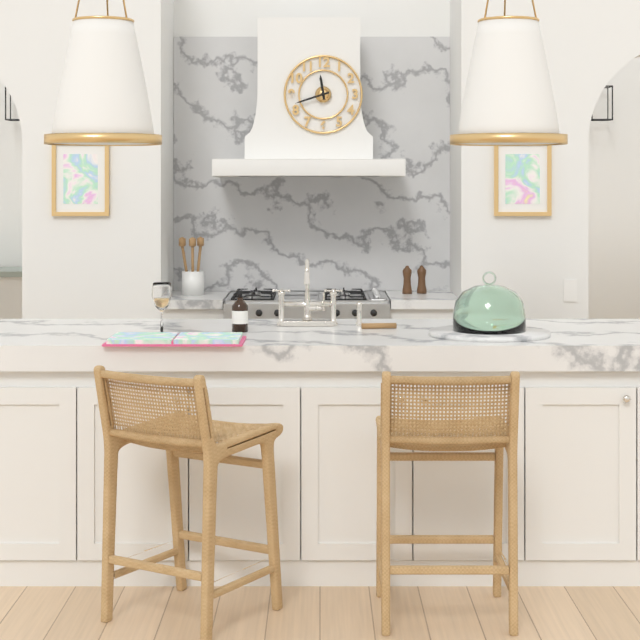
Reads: 11:42
